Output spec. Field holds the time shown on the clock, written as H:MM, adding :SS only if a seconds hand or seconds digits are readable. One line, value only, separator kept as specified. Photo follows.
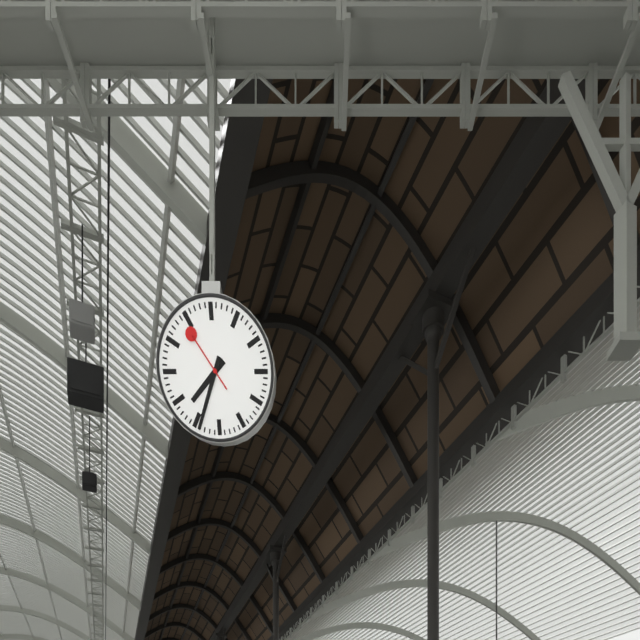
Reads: 7:34:54
